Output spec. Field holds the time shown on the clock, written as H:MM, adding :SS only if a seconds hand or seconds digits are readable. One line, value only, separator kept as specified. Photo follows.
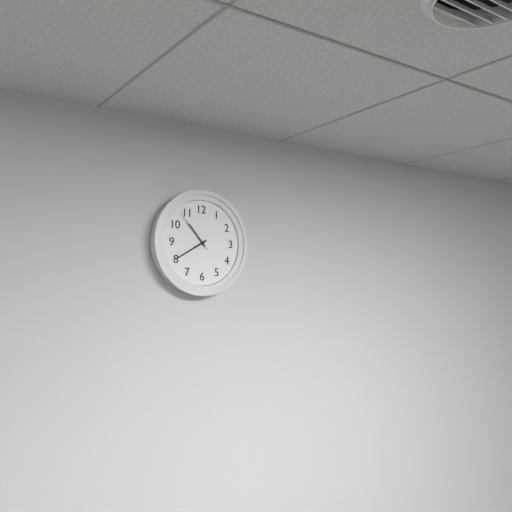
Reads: 10:40
